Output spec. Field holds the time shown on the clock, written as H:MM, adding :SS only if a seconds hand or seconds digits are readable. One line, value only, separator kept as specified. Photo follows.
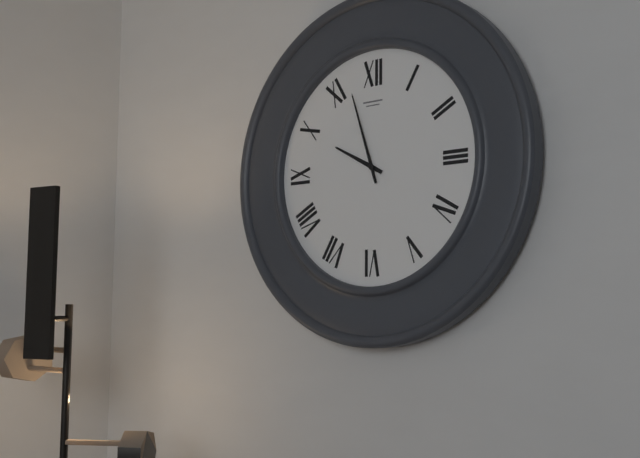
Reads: 9:57
